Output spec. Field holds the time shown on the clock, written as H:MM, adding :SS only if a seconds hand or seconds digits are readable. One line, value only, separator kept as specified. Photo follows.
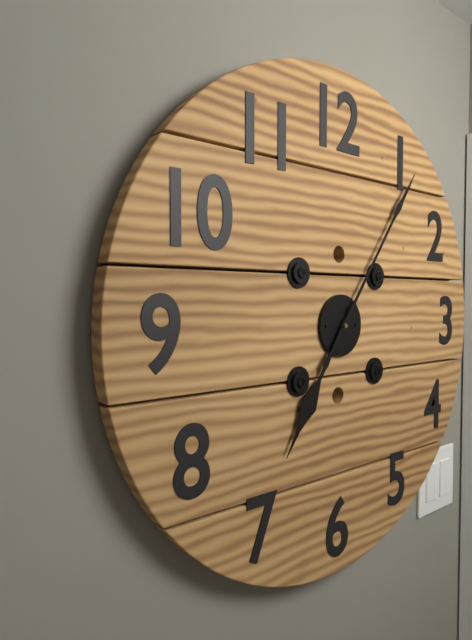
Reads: 7:06
